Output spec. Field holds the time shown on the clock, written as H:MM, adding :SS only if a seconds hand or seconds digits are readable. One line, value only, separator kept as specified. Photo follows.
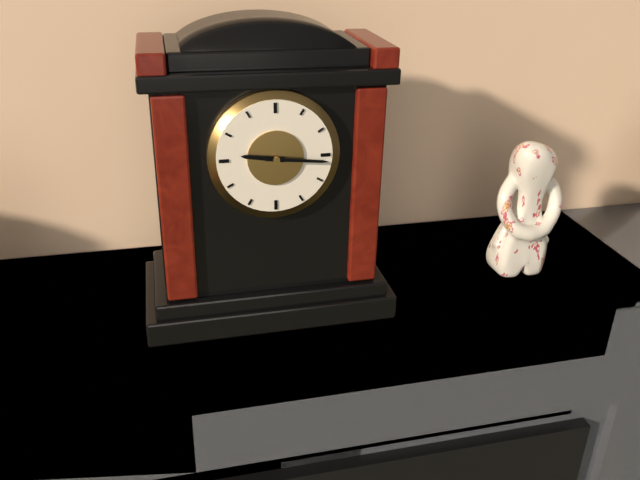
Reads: 9:16
